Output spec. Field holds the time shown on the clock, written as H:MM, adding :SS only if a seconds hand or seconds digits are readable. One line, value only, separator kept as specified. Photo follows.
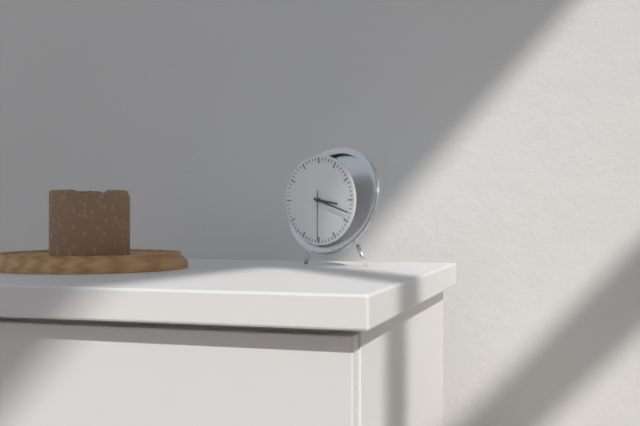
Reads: 3:18:30
